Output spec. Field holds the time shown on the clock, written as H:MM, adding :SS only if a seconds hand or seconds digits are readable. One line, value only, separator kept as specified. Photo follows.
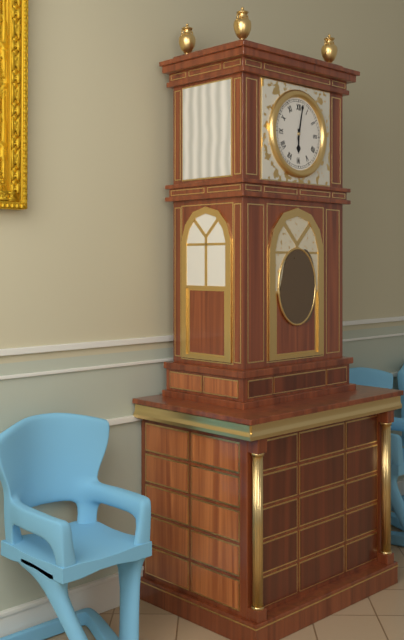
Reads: 6:02
